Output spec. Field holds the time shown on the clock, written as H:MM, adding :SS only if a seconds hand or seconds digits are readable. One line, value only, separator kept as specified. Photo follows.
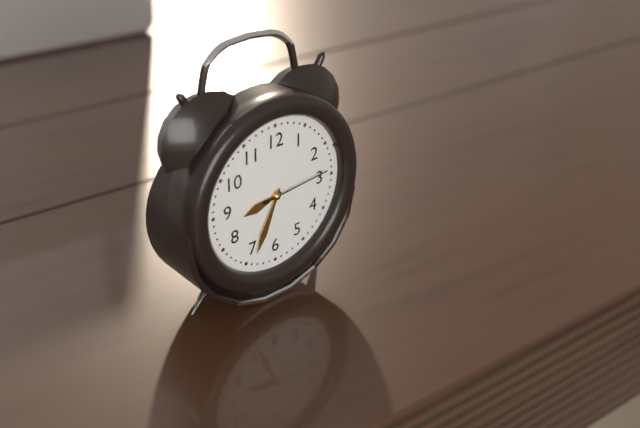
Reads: 8:34:14
